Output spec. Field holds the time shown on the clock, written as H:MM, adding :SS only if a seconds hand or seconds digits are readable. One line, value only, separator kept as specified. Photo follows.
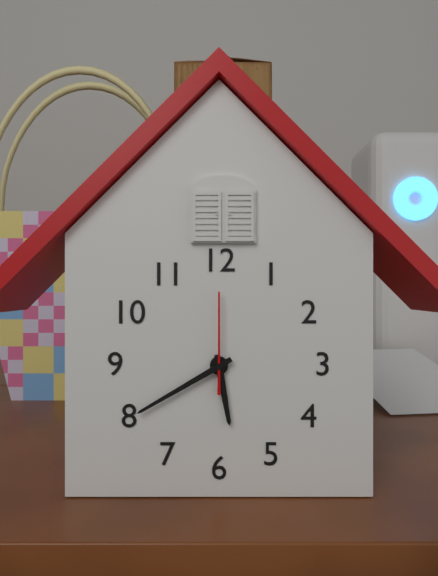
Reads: 5:40:00
